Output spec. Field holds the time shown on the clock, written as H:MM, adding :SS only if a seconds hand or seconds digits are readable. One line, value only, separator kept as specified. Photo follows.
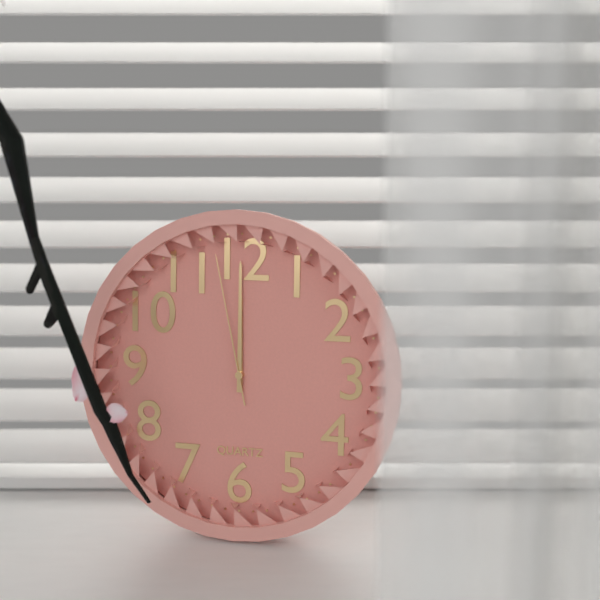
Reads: 12:00:58
